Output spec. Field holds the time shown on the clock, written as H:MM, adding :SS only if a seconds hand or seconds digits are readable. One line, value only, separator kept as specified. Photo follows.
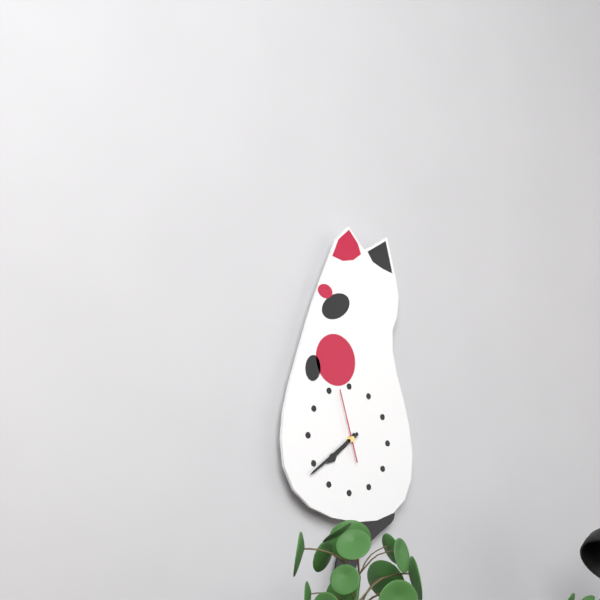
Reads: 7:39:57
